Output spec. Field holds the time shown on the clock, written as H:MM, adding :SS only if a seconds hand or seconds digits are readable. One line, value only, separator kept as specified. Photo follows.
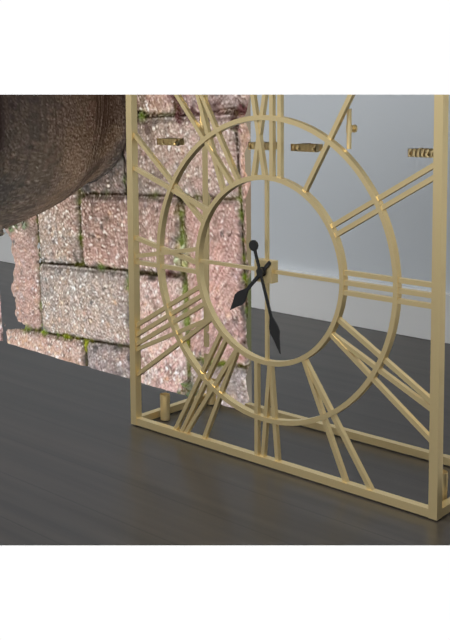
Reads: 7:27
